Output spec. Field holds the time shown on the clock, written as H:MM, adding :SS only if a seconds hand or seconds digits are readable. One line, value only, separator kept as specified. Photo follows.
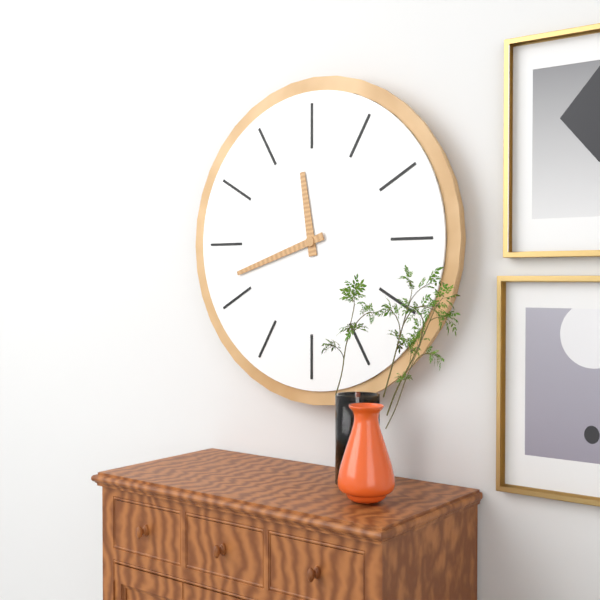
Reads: 11:42
